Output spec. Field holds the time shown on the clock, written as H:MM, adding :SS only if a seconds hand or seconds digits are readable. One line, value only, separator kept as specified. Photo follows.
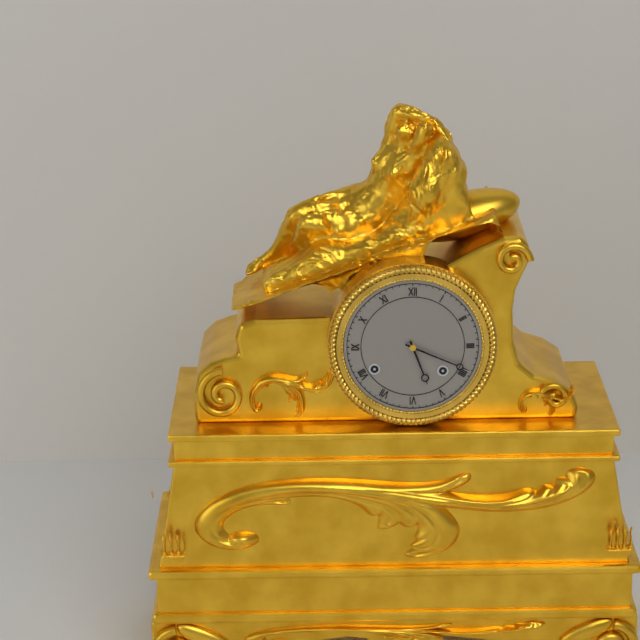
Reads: 5:19
